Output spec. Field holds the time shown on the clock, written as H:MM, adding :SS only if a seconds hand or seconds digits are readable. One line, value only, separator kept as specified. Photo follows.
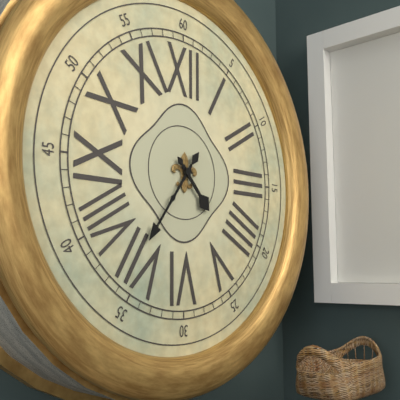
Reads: 4:36
